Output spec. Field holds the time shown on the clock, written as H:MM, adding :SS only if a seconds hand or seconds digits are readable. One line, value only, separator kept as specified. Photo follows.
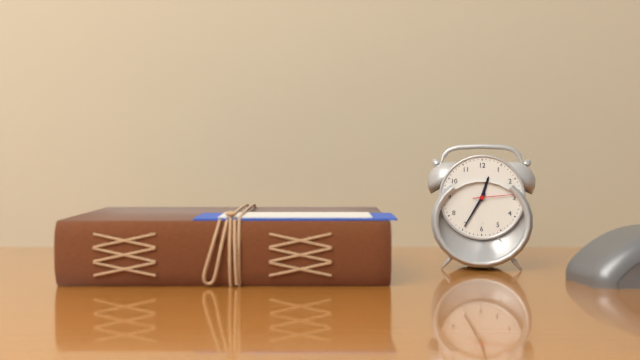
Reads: 12:35
